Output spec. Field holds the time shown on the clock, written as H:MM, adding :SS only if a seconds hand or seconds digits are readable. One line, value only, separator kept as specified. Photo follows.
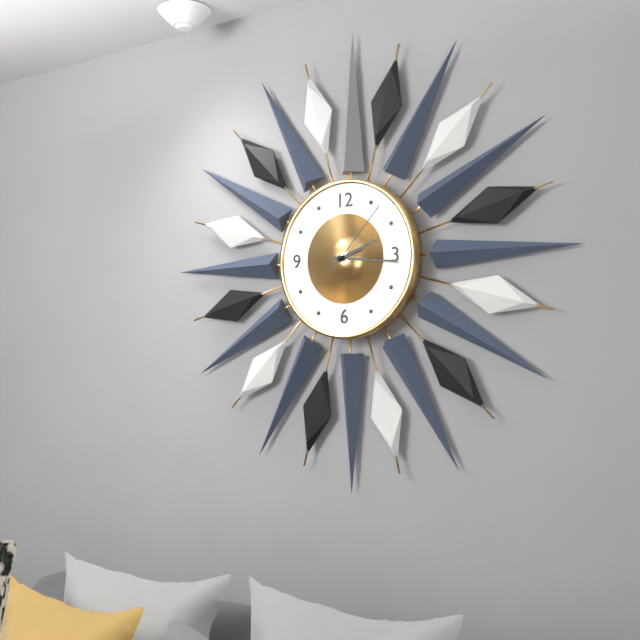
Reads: 2:16:07
